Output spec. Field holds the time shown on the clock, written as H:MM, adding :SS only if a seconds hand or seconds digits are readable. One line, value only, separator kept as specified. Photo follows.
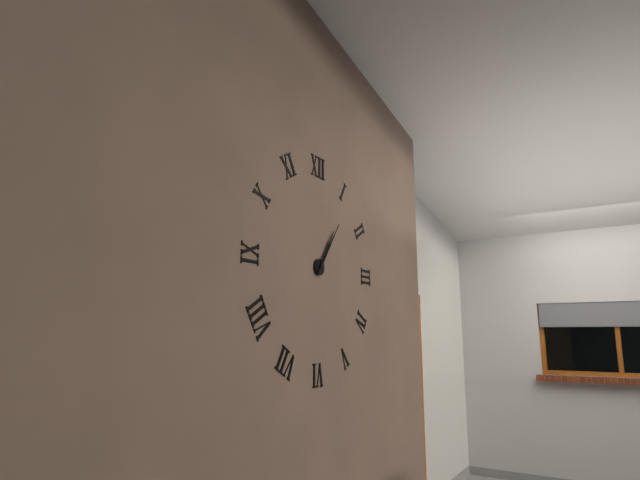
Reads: 1:06
